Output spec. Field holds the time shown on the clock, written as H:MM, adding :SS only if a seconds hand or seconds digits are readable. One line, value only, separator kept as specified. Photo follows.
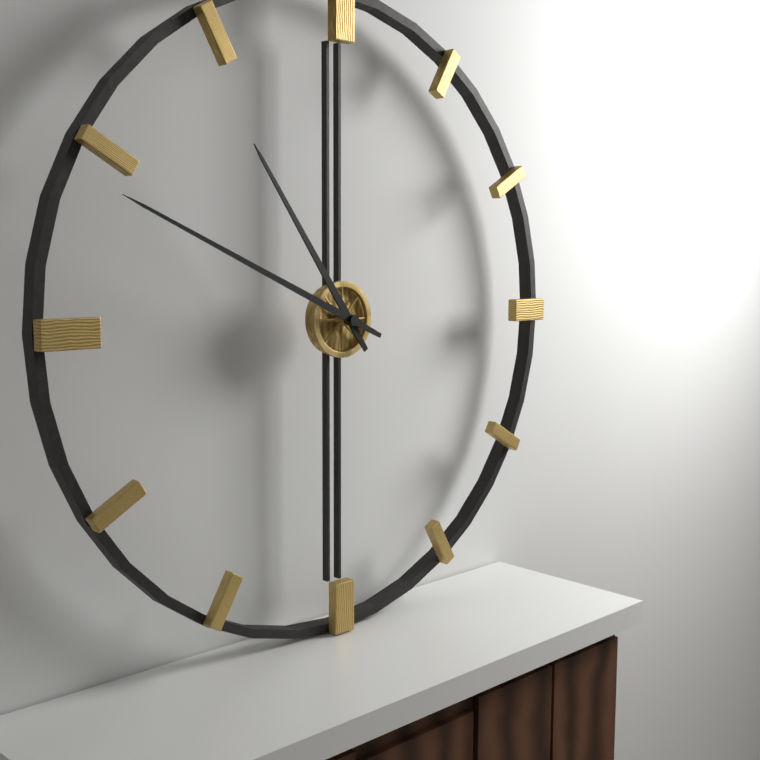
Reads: 10:49
